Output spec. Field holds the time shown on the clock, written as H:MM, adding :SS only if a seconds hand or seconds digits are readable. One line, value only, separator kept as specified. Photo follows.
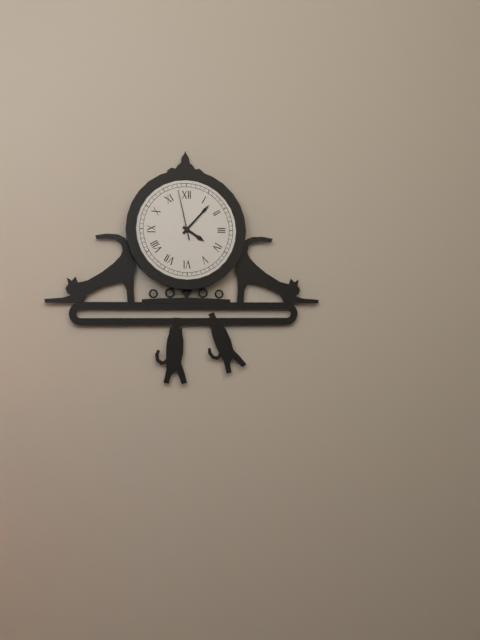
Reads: 4:07:58
